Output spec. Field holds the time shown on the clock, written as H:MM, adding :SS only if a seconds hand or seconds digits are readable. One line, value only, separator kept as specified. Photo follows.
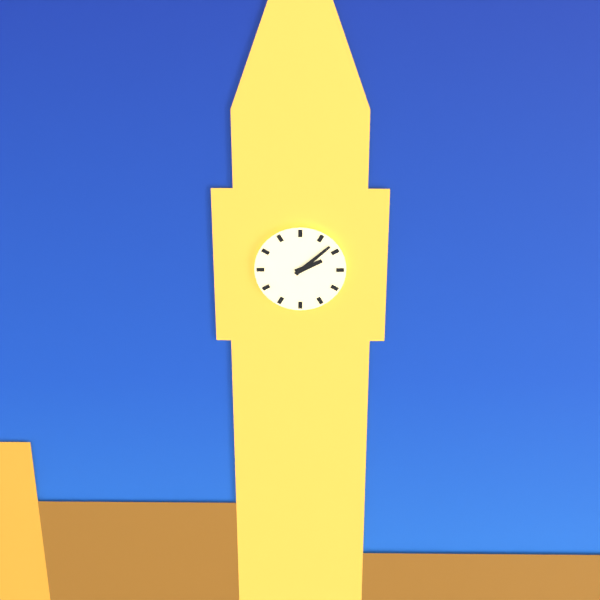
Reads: 2:08
